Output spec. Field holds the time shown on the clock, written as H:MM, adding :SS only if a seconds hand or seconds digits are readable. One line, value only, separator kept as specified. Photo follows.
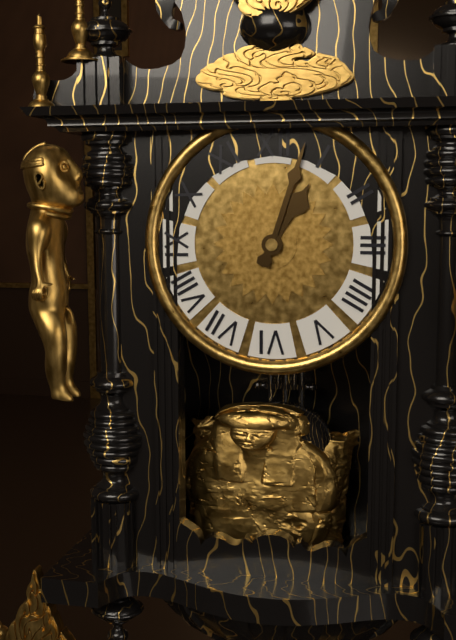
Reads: 1:03
